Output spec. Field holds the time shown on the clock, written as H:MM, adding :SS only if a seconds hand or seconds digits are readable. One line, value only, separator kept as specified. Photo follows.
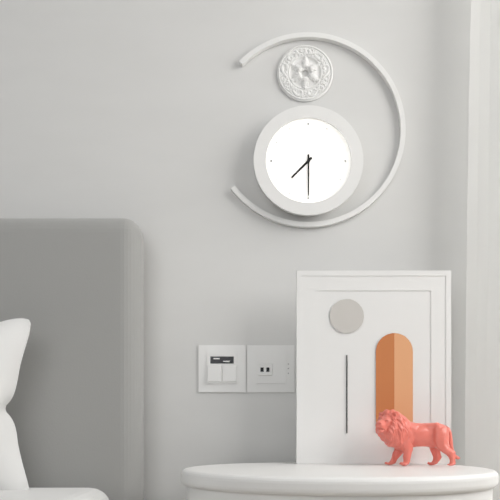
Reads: 7:30
